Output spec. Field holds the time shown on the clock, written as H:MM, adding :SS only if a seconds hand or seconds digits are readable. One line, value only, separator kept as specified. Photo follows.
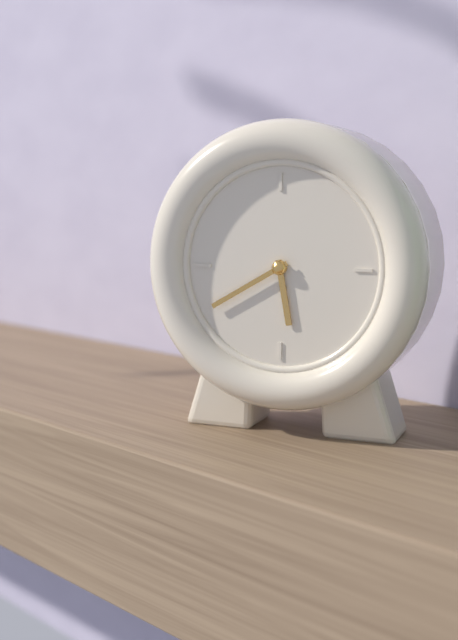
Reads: 5:40
